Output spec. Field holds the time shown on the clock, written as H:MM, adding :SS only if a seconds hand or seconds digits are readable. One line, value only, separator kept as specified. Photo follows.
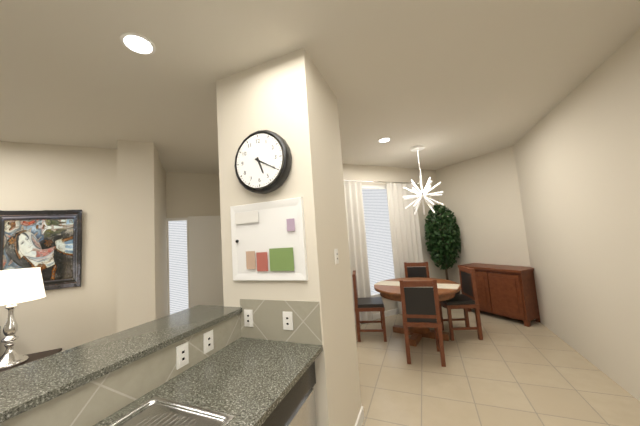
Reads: 5:20
